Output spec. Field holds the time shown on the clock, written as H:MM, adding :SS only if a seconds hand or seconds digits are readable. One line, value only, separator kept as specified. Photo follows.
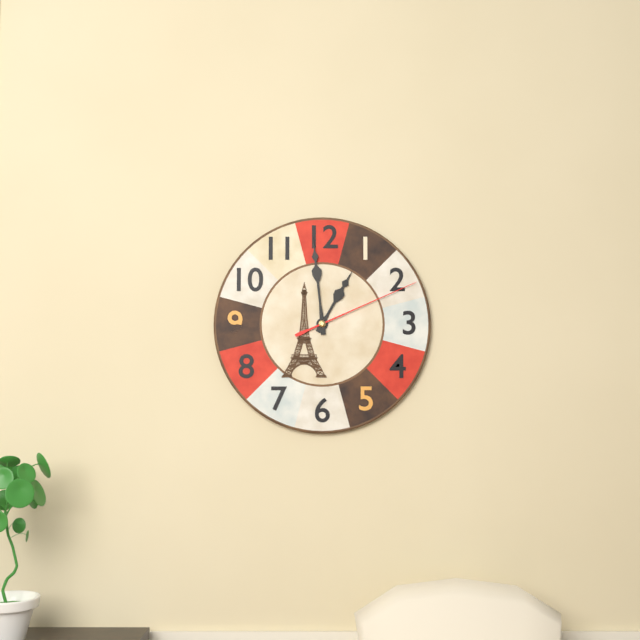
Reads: 12:59:11
